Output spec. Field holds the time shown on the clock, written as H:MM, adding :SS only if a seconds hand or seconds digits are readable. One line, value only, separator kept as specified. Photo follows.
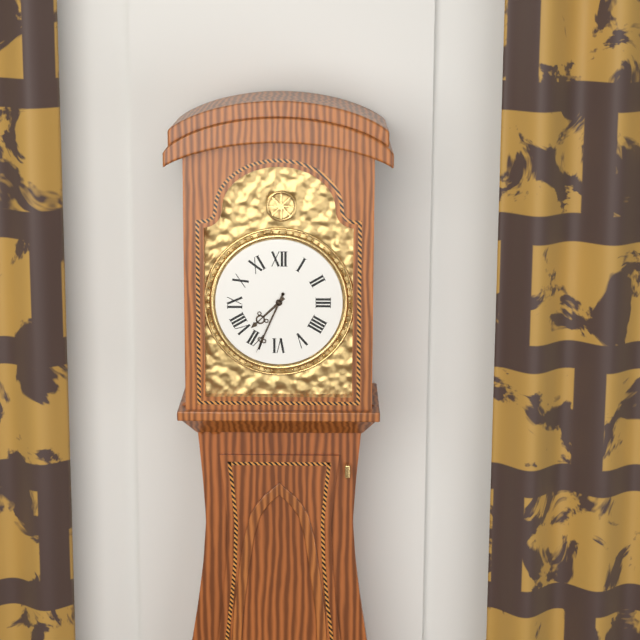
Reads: 7:34
